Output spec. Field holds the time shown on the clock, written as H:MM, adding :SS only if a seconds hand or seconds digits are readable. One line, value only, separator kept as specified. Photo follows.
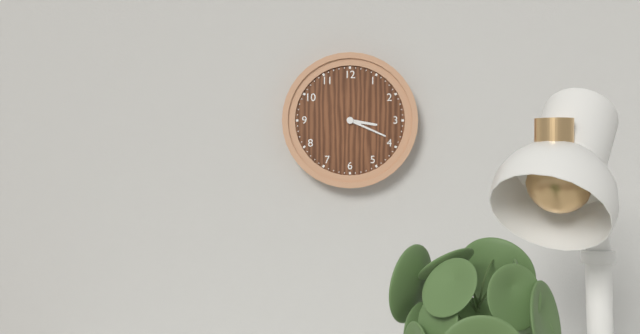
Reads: 3:19
